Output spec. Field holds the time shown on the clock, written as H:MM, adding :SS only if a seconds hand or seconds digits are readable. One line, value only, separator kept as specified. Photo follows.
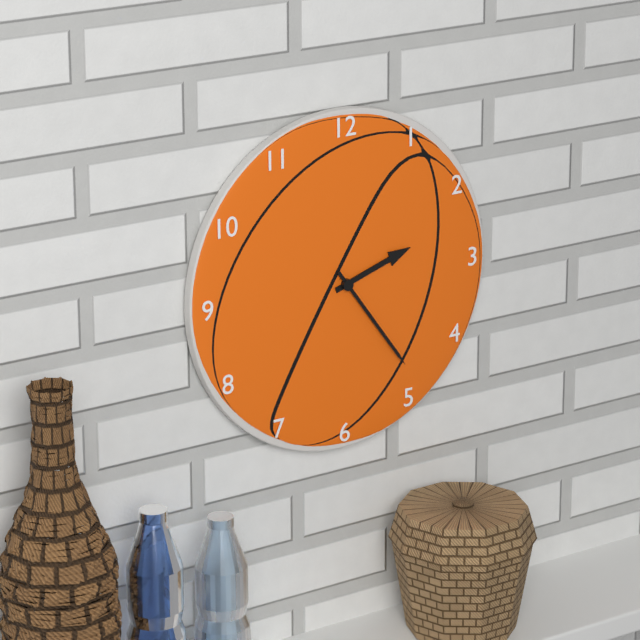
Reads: 2:24
